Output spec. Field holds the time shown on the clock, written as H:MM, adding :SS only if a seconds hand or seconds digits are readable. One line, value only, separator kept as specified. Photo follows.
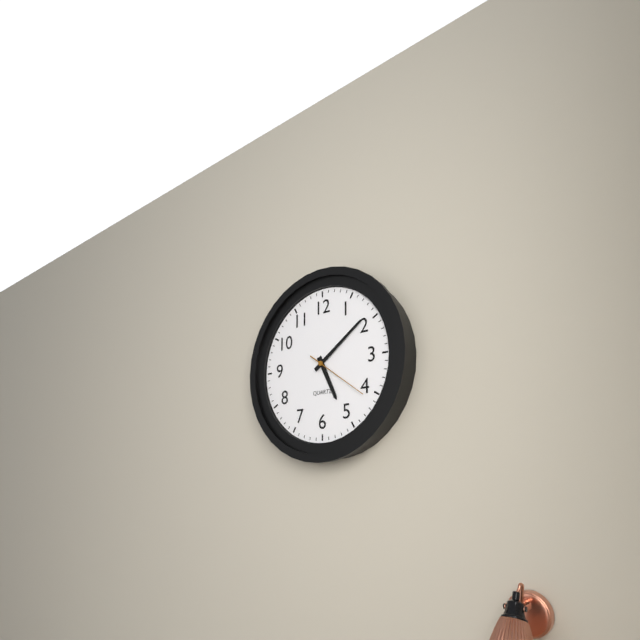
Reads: 5:09:21
